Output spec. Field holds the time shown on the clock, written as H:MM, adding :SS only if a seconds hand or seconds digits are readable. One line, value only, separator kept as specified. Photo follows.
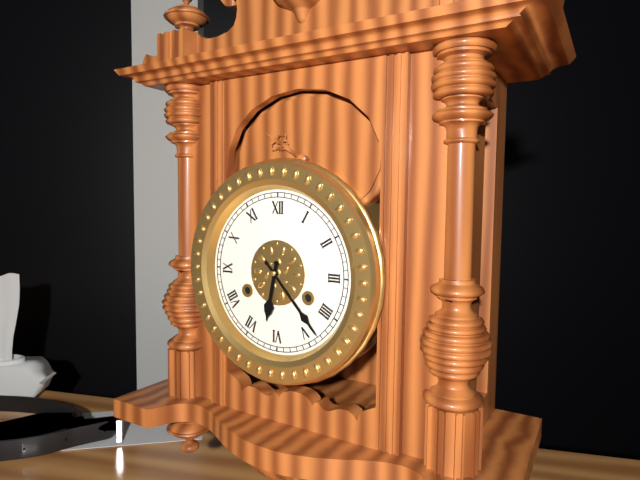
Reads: 6:23
